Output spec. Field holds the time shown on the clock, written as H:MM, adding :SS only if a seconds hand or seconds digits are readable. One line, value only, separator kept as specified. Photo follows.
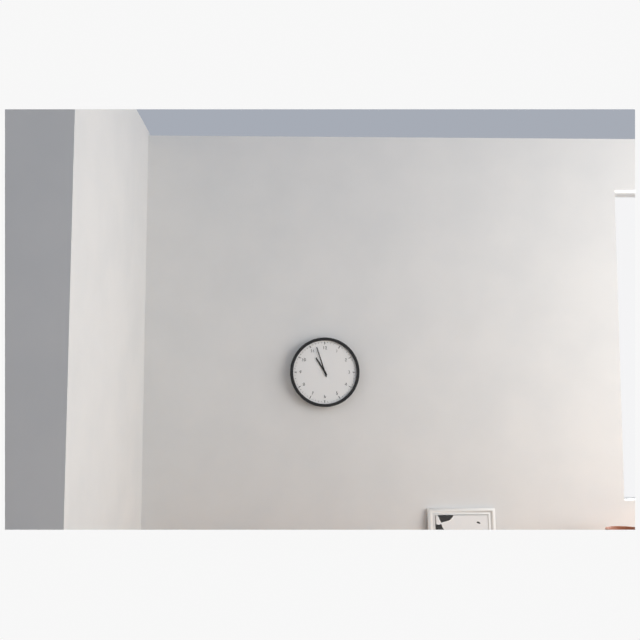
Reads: 10:57
